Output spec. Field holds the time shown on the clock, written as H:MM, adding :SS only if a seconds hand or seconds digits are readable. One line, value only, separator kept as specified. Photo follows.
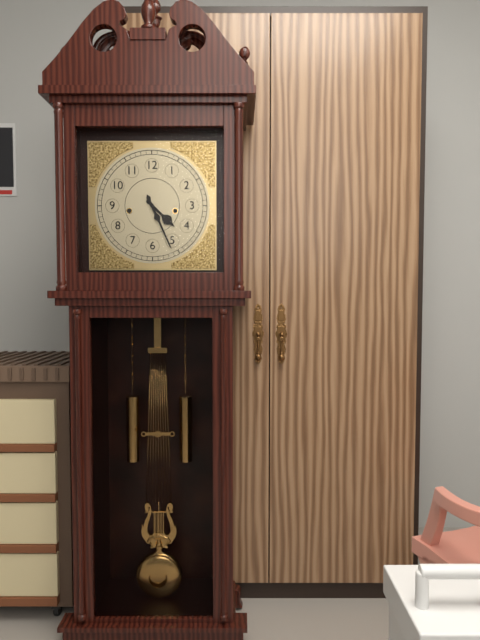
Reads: 4:26
